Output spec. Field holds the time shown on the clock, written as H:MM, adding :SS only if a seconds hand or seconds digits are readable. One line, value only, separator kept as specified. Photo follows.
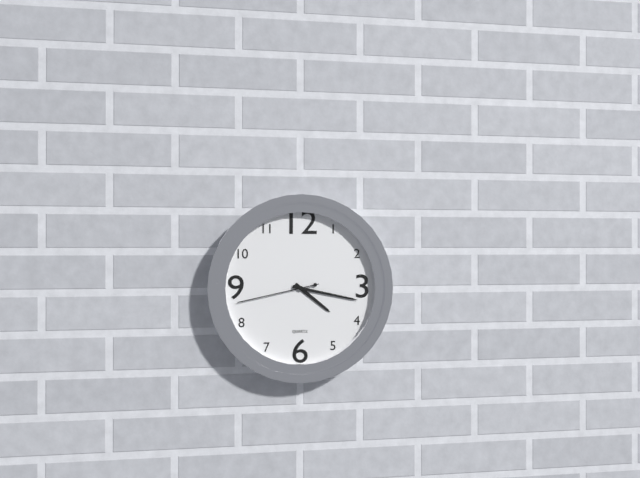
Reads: 4:17:43
